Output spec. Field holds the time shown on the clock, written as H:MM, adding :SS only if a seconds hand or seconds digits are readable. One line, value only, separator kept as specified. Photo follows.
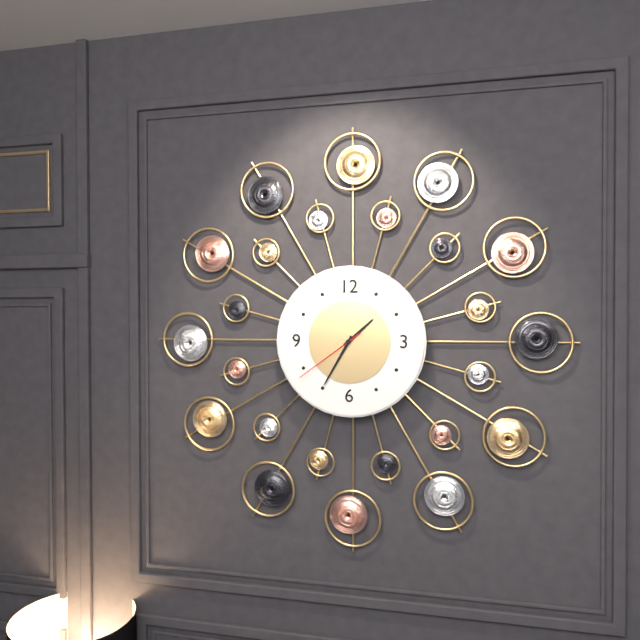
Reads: 1:35:39
